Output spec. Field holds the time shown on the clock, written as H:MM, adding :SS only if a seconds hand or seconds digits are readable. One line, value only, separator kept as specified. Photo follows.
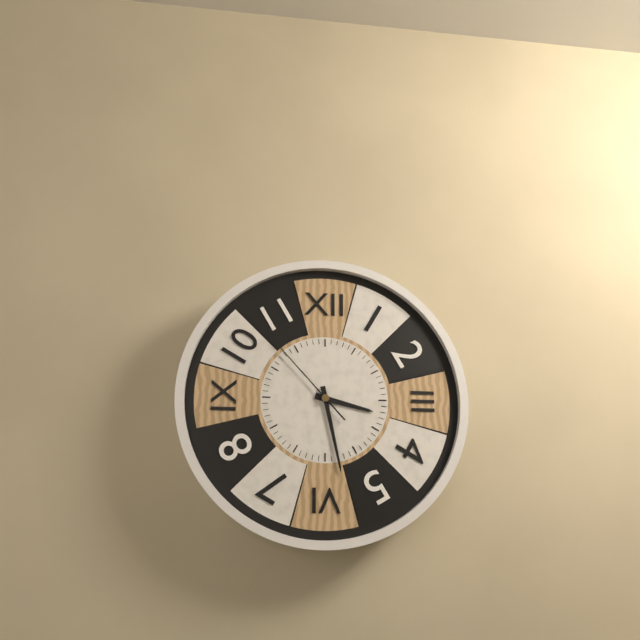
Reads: 3:28:53
